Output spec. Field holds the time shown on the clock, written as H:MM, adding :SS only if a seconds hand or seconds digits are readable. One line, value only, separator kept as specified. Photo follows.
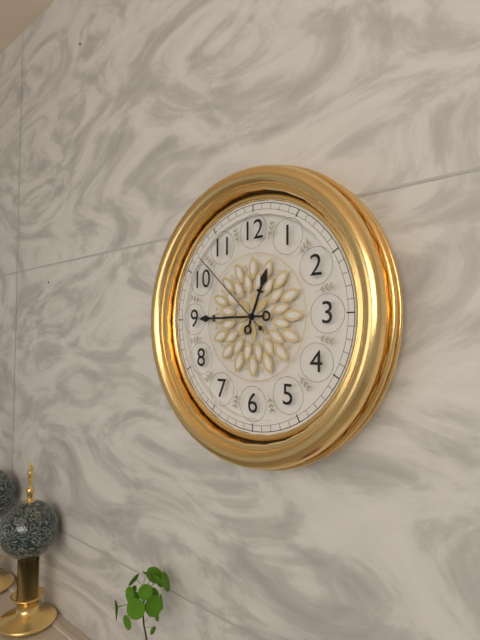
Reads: 12:45:52
